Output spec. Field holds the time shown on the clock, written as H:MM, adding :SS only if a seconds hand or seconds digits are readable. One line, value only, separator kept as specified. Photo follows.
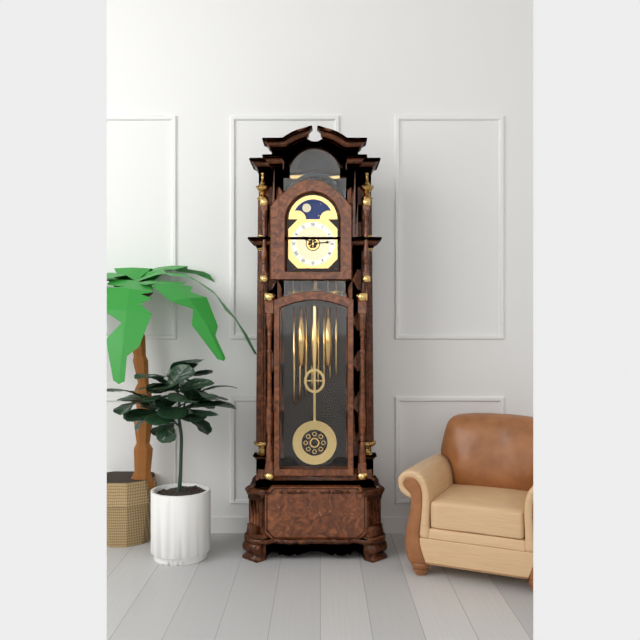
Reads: 10:14
